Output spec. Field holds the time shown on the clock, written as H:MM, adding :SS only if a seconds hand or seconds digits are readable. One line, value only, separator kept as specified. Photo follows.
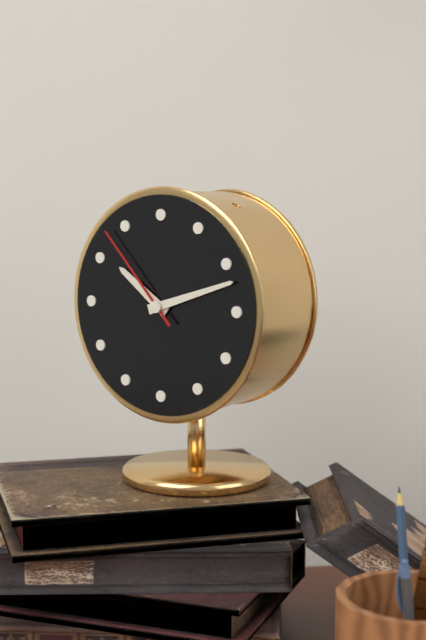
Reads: 10:12:53
